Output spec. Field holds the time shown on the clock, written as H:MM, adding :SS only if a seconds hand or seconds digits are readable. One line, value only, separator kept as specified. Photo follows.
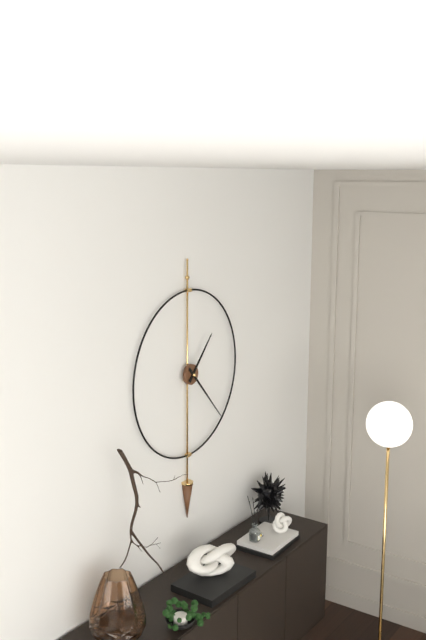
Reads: 1:23
